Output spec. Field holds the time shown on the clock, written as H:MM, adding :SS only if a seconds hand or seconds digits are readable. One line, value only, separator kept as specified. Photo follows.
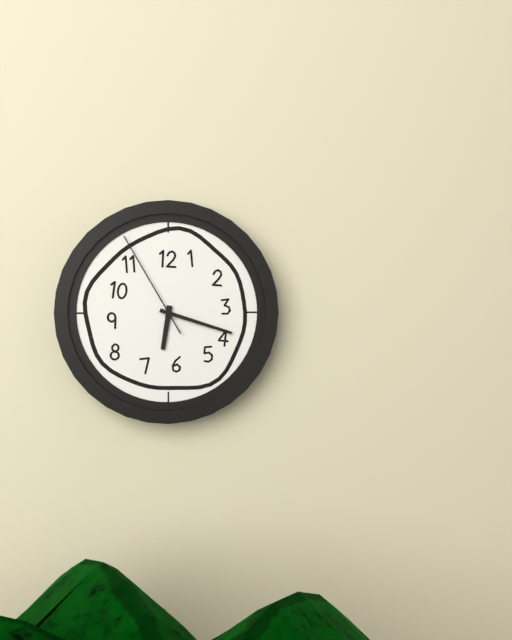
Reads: 6:18:55
